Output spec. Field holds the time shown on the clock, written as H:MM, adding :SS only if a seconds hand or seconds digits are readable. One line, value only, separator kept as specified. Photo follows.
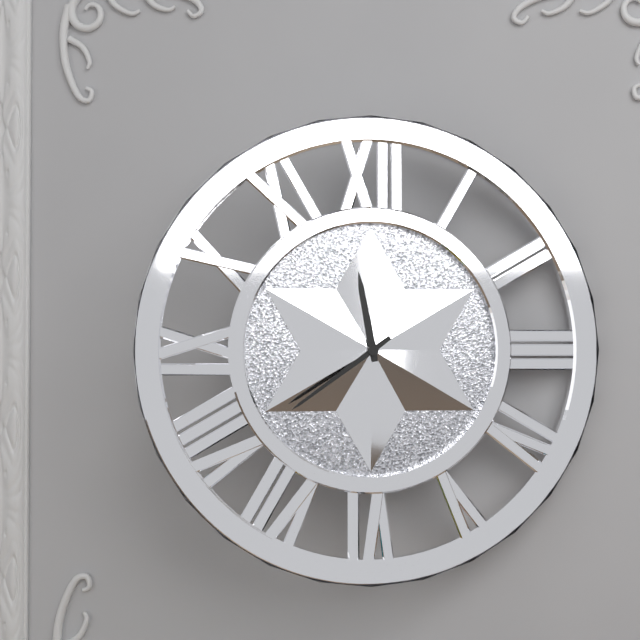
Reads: 11:39
